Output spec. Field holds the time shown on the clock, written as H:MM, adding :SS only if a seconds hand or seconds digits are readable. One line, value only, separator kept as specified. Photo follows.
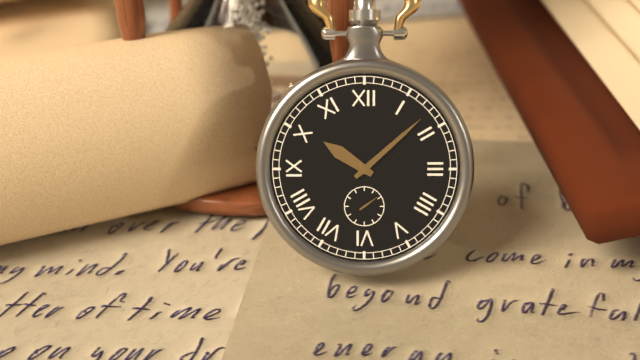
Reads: 10:08
